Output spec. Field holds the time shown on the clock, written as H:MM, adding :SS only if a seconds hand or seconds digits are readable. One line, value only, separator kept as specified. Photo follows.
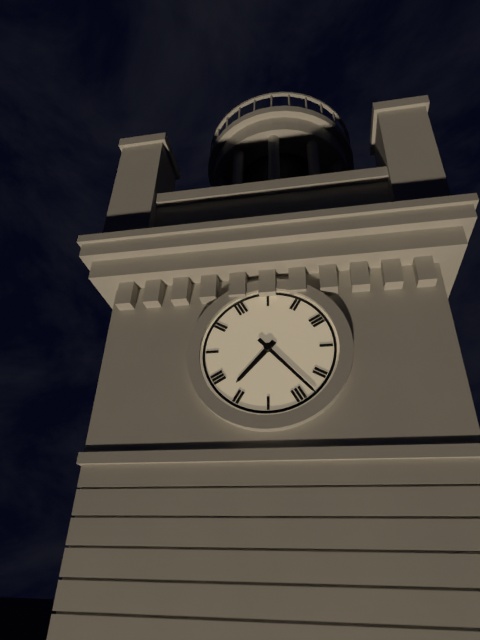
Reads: 7:23
